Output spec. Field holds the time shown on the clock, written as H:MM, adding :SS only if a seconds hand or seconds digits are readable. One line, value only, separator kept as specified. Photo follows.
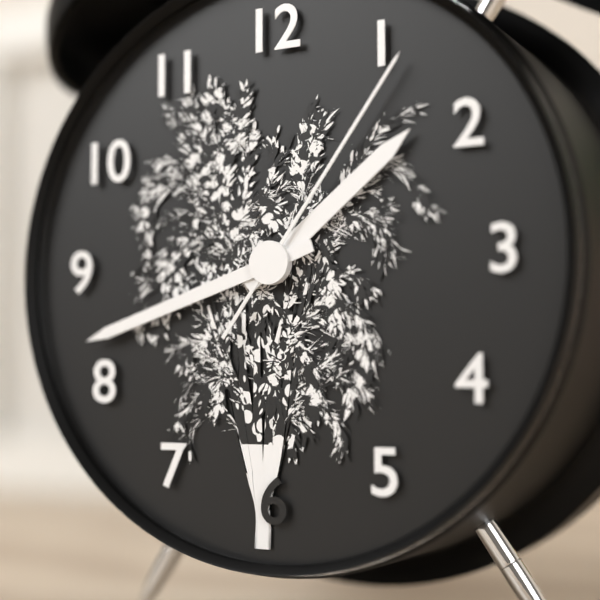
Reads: 1:42:06
